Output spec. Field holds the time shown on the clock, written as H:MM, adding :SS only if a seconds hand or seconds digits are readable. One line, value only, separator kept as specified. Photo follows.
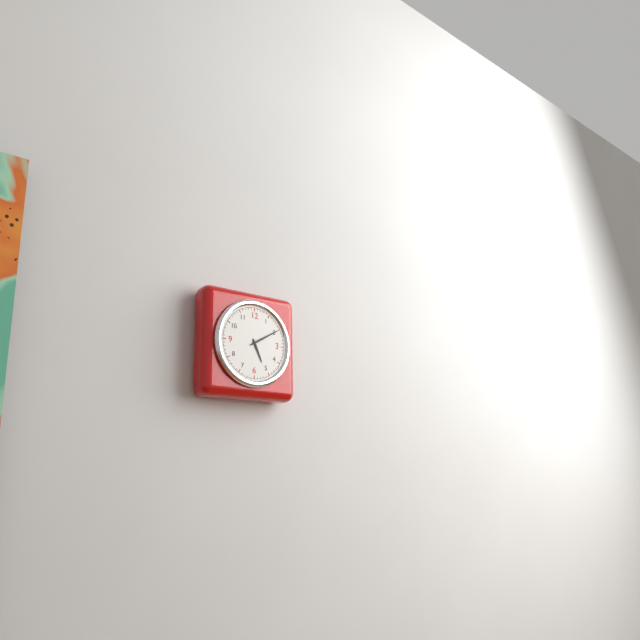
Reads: 5:10
